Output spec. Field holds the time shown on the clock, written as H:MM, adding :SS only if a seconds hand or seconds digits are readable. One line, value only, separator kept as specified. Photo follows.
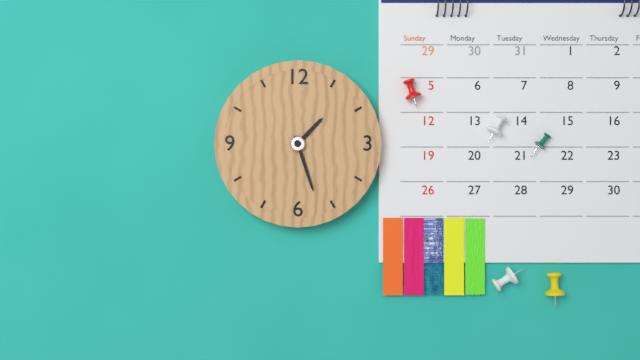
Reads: 1:27
